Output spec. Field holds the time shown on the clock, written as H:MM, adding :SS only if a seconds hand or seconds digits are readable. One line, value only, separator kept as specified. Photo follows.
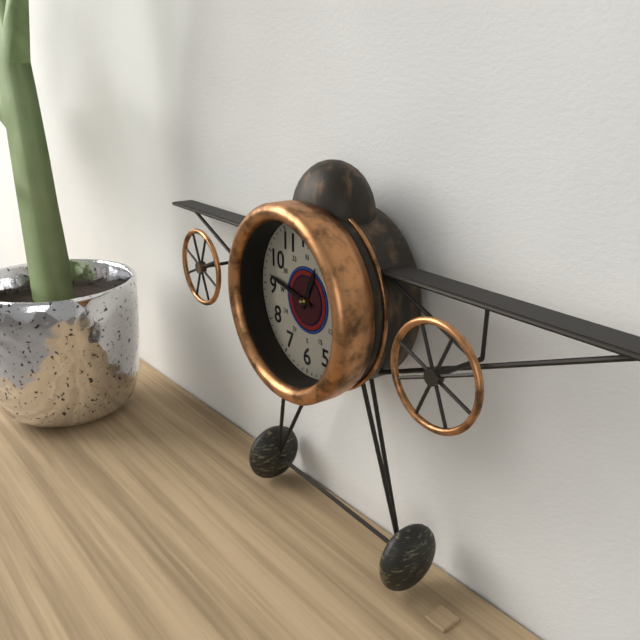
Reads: 12:47
